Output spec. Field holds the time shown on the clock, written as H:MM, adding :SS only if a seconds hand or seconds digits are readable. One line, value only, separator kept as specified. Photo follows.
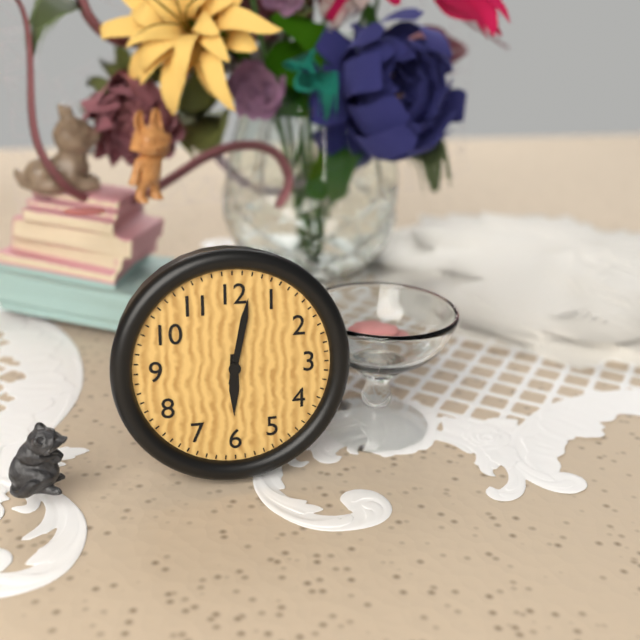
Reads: 6:02
